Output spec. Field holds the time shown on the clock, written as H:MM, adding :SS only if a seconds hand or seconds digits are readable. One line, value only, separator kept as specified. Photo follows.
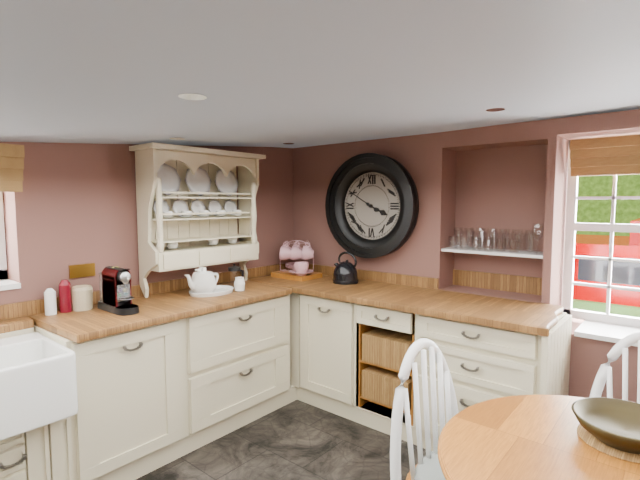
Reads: 3:50
